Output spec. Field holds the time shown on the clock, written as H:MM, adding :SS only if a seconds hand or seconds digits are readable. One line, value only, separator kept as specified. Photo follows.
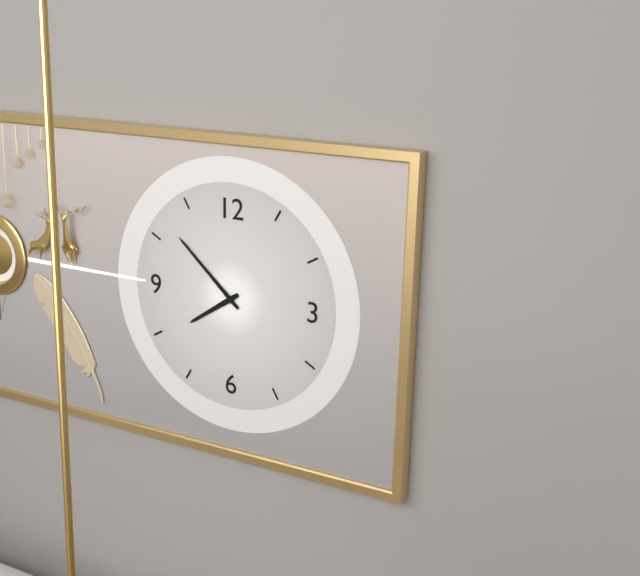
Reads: 7:52
